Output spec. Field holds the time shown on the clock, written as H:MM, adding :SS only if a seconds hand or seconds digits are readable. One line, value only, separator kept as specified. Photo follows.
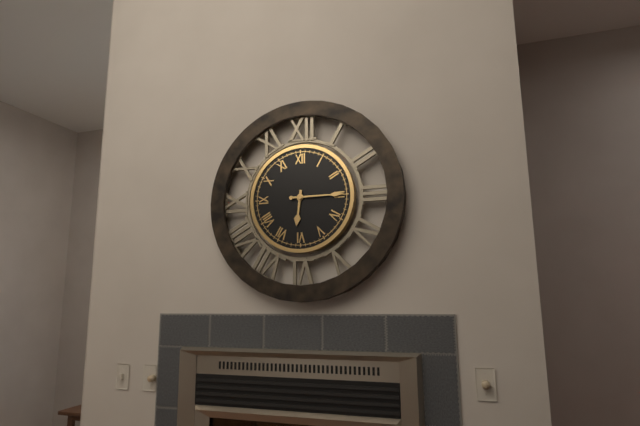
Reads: 6:15
